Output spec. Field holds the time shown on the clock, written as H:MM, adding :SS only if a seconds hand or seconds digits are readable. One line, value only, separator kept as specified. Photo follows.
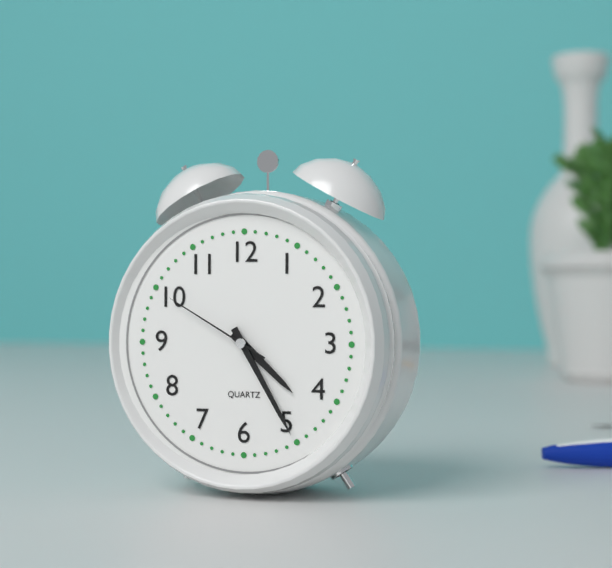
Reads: 4:25:50
